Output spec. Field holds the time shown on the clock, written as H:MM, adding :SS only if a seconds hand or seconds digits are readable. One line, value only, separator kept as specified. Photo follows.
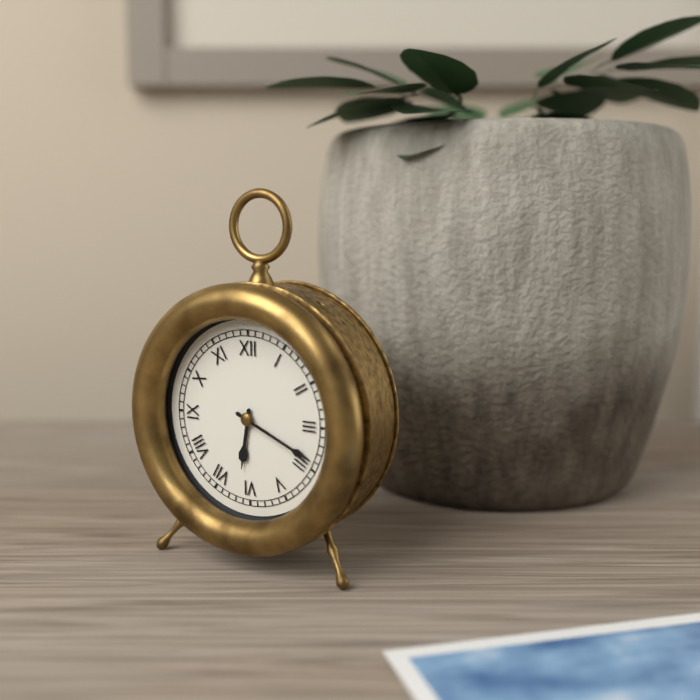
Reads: 6:19
